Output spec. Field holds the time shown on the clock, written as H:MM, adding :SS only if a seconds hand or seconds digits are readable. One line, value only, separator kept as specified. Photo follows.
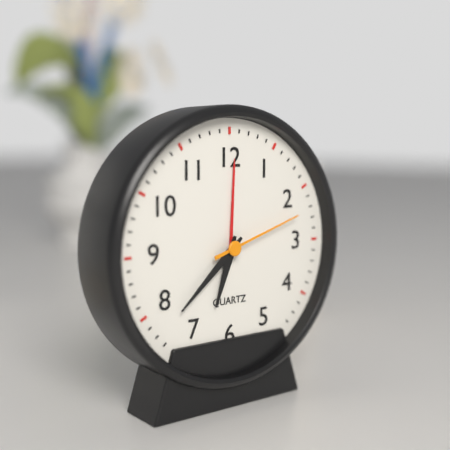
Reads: 6:38:12
